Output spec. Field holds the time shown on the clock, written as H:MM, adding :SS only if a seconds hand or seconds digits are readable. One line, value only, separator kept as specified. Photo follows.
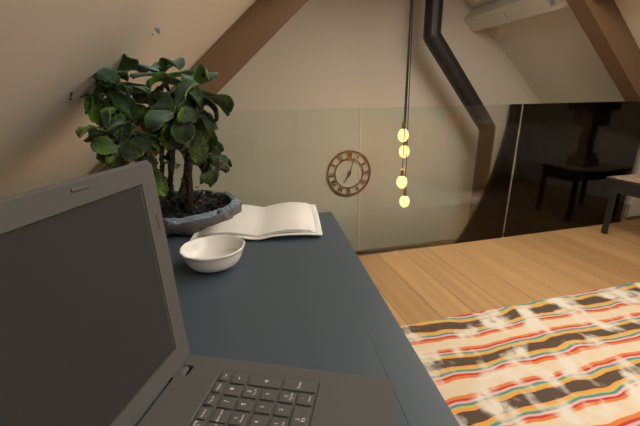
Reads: 7:03
